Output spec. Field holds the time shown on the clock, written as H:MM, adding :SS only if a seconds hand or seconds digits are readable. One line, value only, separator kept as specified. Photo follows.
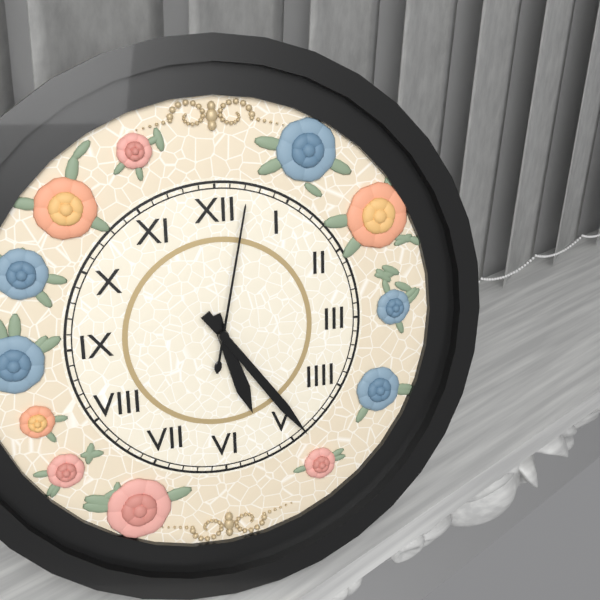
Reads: 5:24:02
